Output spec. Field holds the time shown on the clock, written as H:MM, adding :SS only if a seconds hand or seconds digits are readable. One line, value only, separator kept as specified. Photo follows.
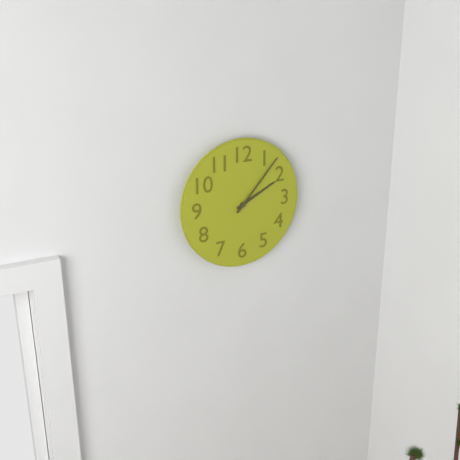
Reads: 2:07
